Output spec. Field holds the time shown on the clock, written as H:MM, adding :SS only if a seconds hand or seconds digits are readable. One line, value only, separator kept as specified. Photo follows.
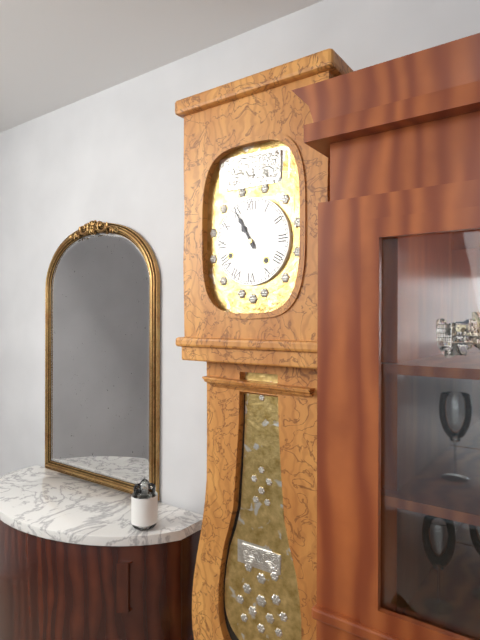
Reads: 10:55
